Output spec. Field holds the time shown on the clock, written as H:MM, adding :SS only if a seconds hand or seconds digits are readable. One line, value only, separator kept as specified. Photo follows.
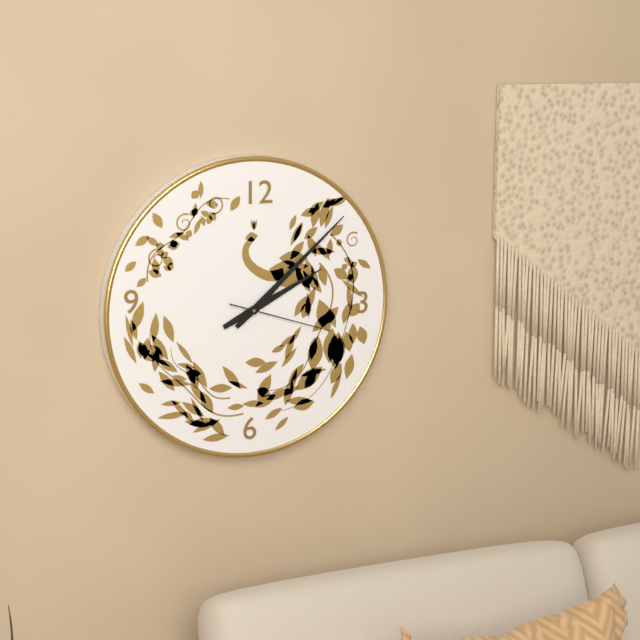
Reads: 2:08:18
